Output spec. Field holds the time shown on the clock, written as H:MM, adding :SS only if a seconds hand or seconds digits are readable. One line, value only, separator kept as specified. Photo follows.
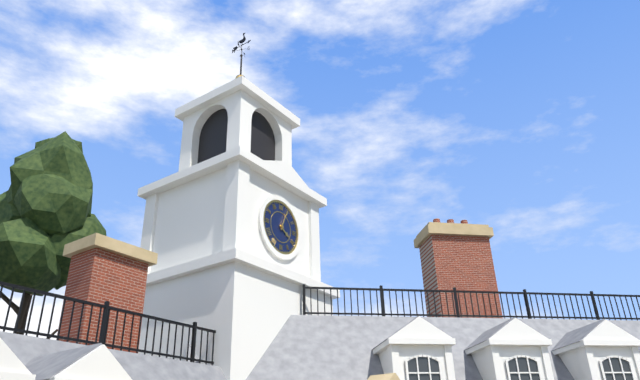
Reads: 4:04
